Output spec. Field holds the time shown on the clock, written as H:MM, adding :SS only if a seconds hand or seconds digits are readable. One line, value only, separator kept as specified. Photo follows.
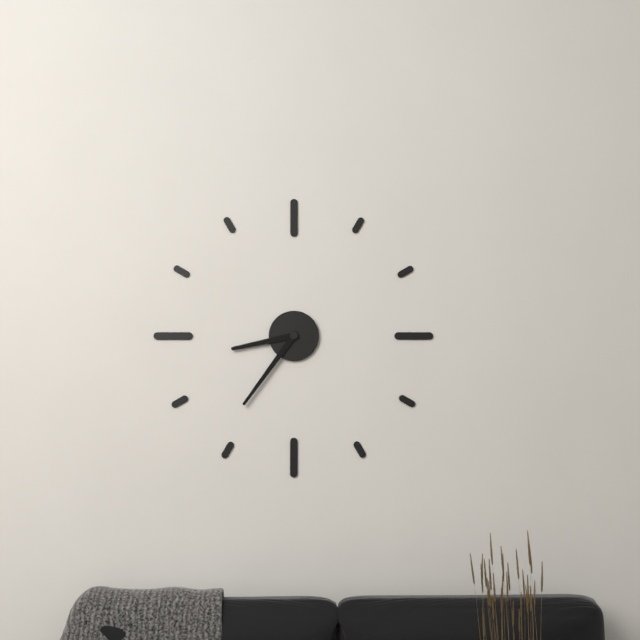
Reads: 8:36
